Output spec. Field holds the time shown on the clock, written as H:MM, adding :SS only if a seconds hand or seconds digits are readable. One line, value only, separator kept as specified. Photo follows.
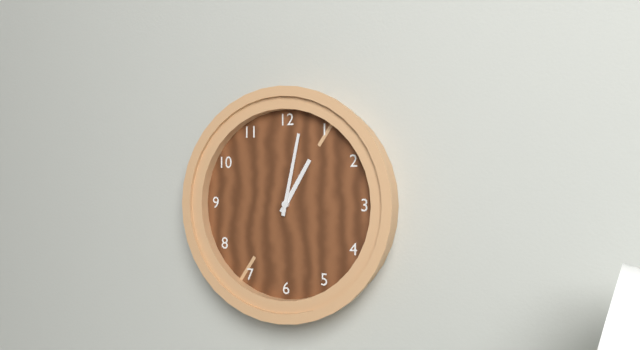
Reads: 1:02
